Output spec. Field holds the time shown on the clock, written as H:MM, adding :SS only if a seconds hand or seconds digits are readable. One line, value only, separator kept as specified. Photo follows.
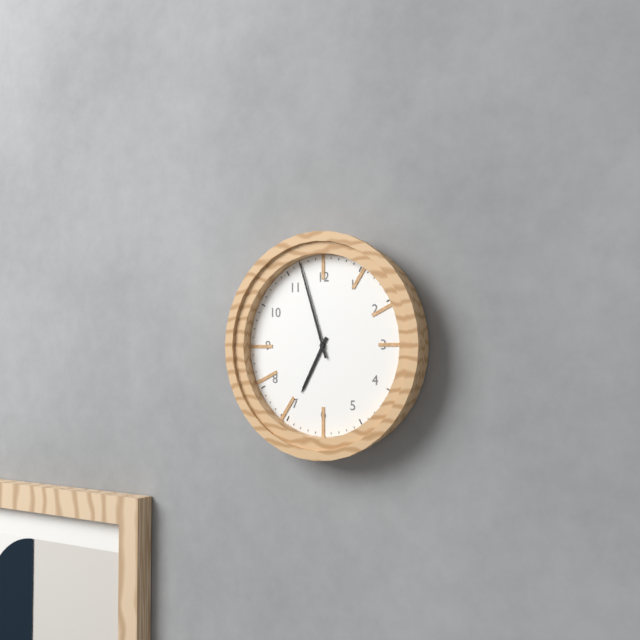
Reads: 6:57
